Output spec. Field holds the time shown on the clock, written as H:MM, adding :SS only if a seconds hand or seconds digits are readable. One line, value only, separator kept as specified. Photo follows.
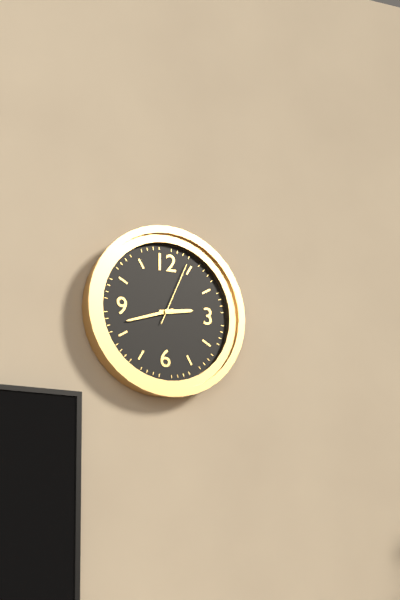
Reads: 2:42:04
